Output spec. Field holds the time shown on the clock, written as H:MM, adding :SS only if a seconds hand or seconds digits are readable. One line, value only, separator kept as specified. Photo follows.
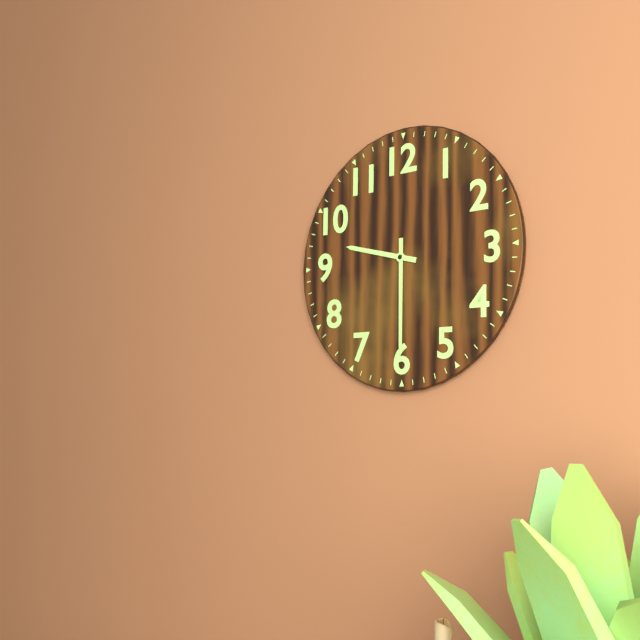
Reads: 9:30
